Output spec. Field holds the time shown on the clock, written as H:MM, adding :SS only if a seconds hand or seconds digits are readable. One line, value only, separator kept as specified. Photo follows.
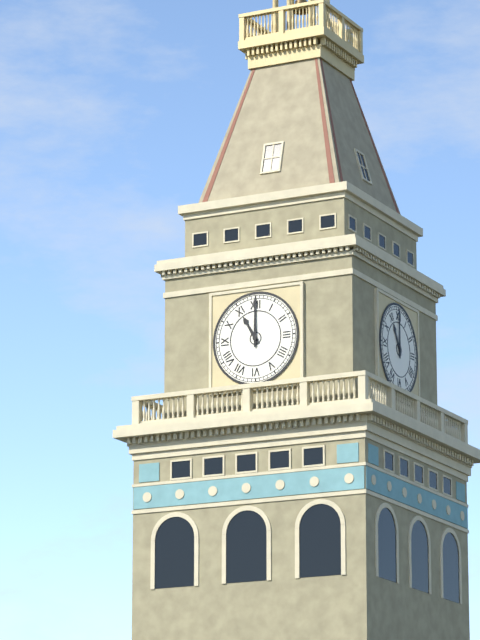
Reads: 11:00
